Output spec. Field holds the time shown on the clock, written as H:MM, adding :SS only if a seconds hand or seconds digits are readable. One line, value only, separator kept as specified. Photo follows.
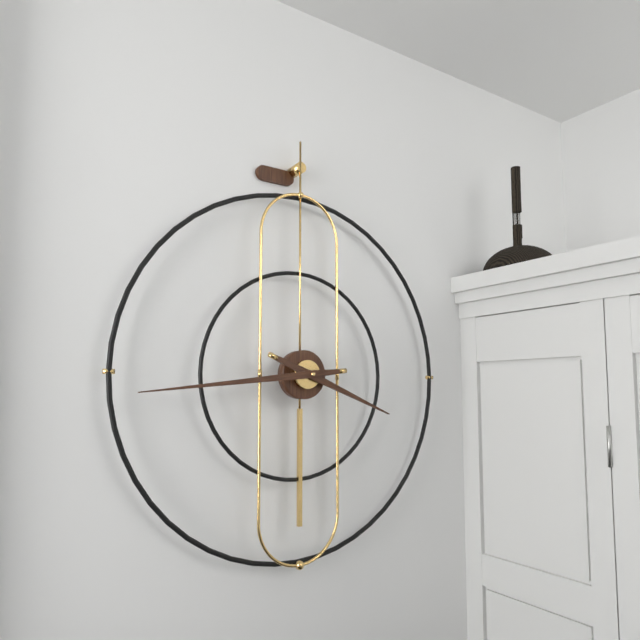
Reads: 3:44
